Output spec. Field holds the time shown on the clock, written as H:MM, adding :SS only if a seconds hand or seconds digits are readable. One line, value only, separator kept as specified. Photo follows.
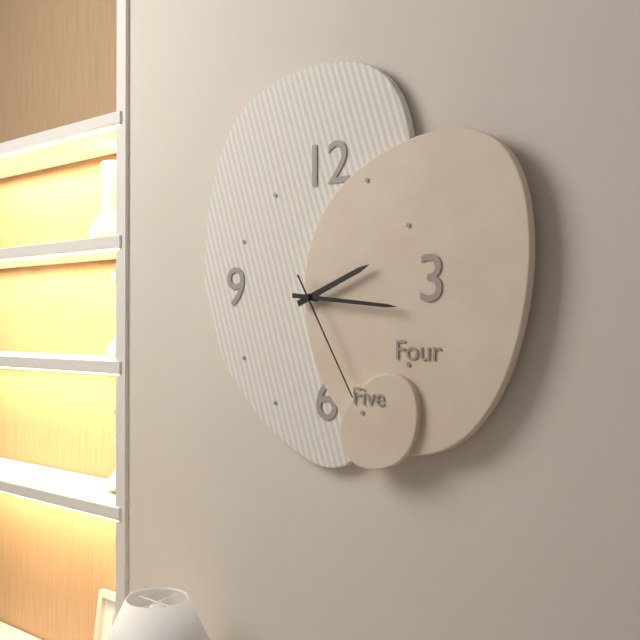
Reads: 2:16:25
